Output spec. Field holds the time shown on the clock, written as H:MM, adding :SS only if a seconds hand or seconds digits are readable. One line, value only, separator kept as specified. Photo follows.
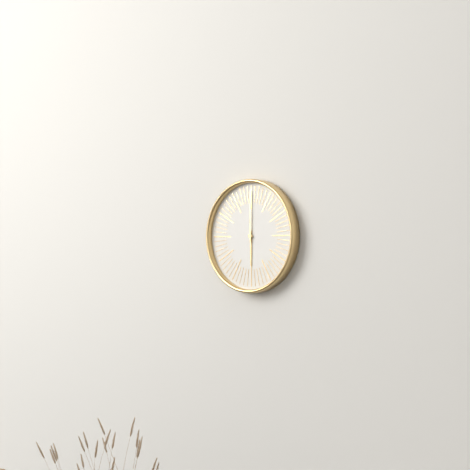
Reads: 6:00
